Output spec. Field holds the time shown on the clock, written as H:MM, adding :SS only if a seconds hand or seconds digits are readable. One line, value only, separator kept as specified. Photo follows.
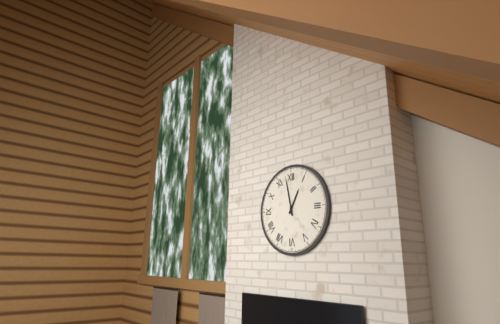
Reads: 12:58
